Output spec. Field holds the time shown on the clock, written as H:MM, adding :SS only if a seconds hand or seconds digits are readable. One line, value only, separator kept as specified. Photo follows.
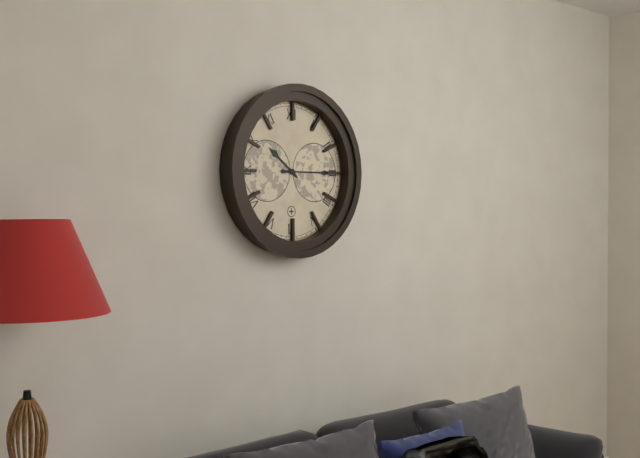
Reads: 10:15
